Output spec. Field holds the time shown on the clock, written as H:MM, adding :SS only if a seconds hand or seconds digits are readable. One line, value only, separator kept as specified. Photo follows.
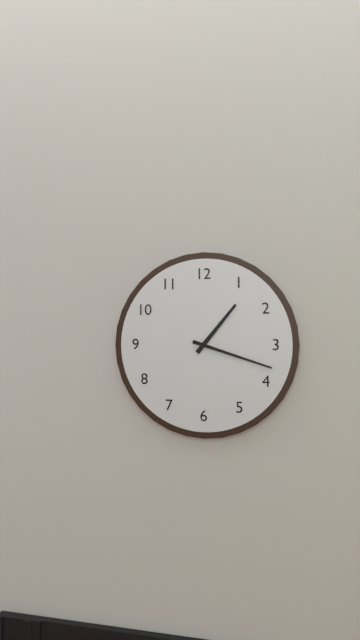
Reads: 1:18
